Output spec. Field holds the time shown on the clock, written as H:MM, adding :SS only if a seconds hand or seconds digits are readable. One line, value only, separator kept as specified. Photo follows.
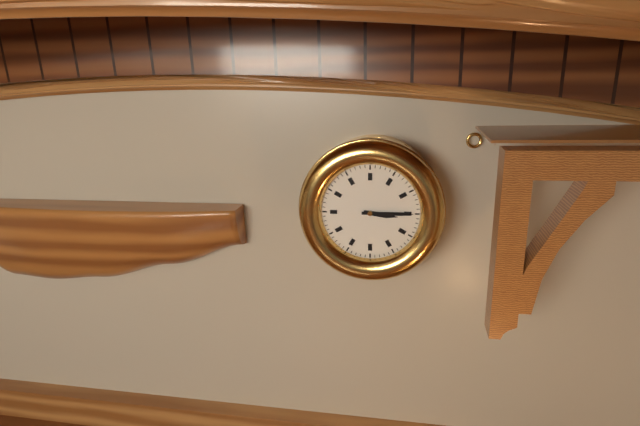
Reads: 3:15
